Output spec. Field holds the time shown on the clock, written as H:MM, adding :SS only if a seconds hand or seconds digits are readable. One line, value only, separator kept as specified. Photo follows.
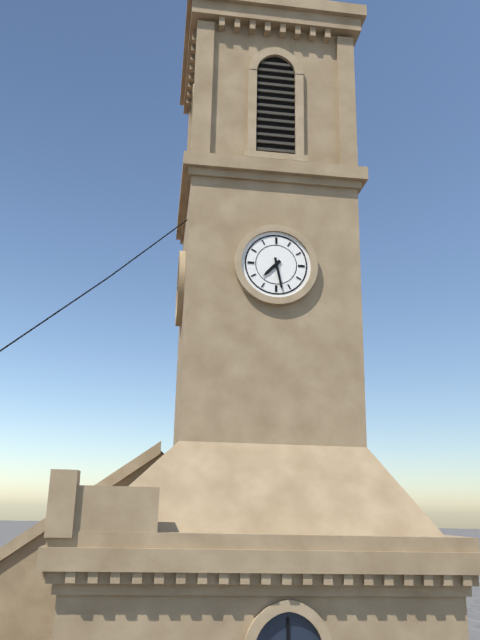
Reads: 7:28
